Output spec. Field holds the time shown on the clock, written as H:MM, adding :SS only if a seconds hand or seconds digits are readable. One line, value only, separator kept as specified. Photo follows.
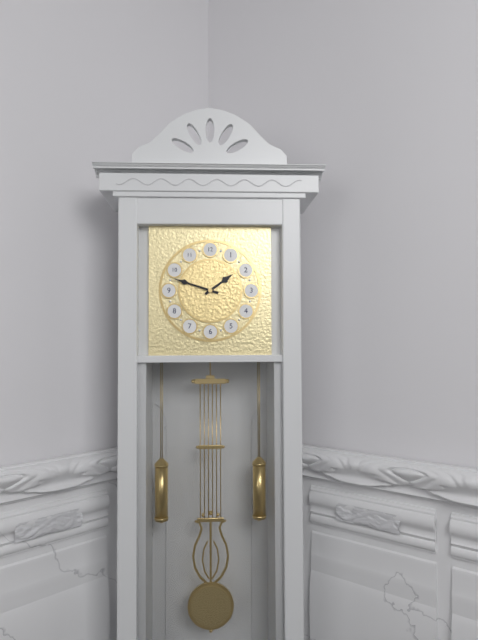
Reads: 1:48
